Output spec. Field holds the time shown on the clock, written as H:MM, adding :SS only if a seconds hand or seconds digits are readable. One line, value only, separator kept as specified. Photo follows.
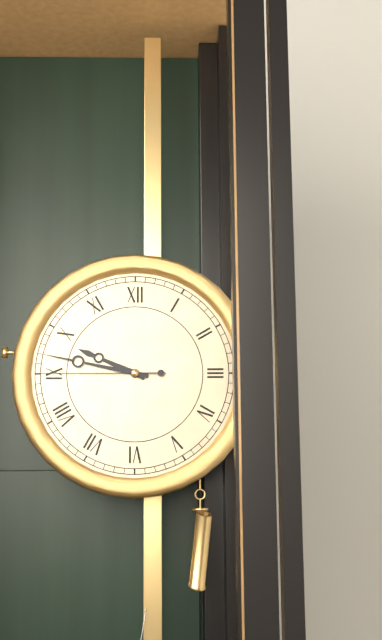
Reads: 9:47:45
